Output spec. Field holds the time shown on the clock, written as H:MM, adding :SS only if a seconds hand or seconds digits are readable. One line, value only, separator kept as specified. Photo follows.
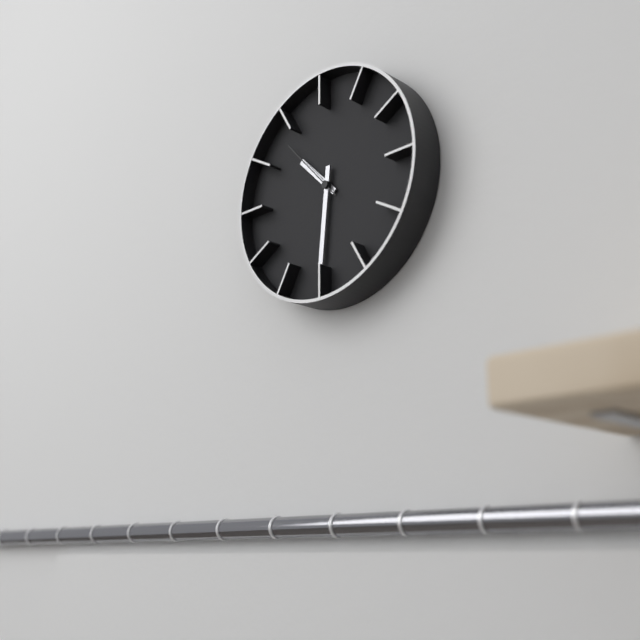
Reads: 10:31:53
